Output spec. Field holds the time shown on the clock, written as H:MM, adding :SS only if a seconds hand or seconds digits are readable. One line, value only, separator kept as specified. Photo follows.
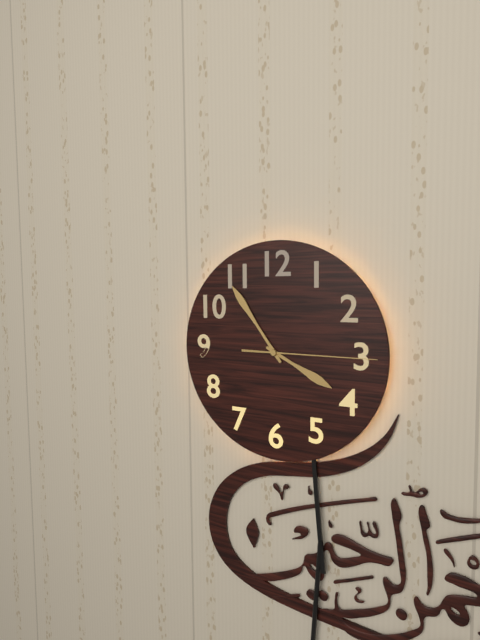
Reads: 3:54:15
